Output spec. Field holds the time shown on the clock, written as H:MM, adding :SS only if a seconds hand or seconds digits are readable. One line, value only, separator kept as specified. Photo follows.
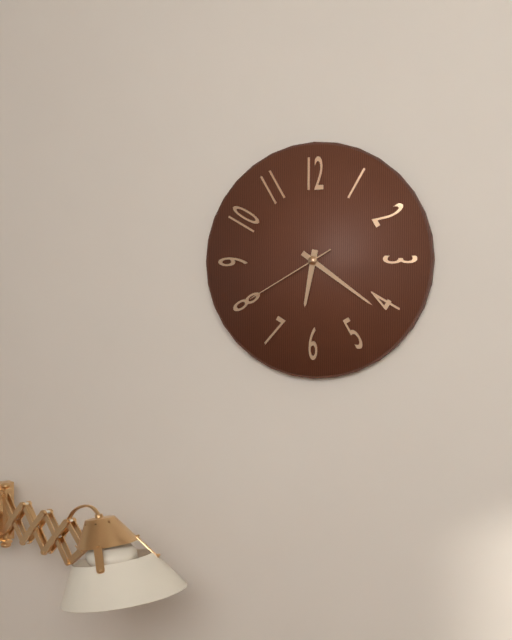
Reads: 6:21:40
